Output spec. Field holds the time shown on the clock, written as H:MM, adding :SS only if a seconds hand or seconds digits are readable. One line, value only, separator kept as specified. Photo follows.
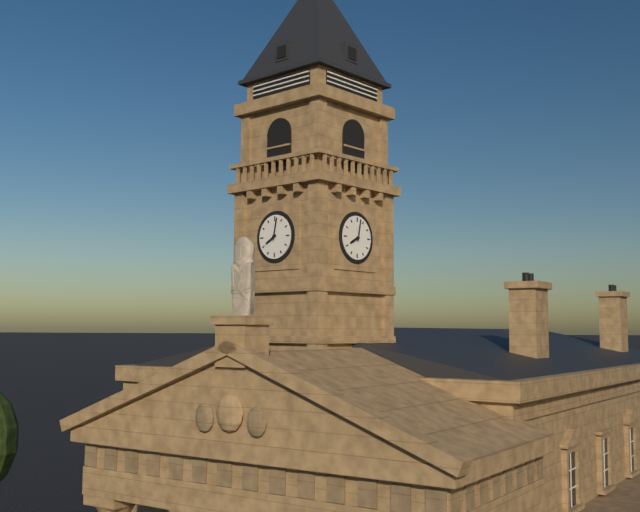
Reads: 8:02
